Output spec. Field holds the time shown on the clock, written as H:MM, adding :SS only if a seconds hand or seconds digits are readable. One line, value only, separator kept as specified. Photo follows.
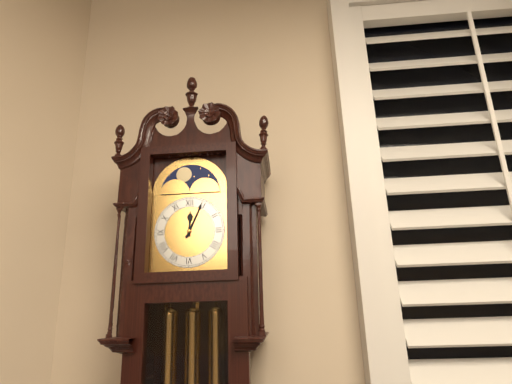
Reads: 12:04
